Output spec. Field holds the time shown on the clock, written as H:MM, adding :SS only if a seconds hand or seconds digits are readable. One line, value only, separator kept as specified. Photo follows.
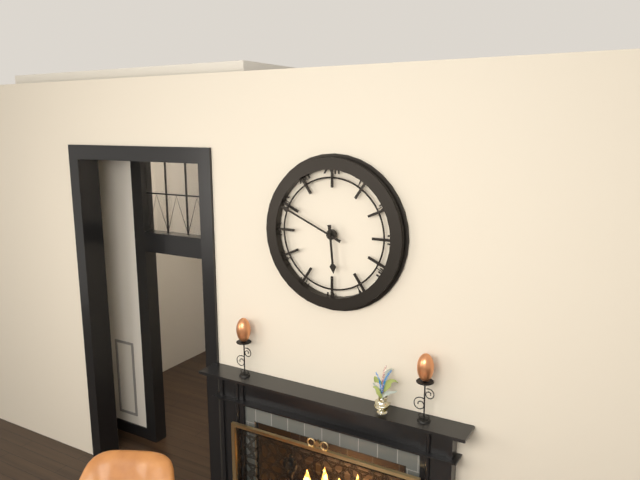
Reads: 5:49
